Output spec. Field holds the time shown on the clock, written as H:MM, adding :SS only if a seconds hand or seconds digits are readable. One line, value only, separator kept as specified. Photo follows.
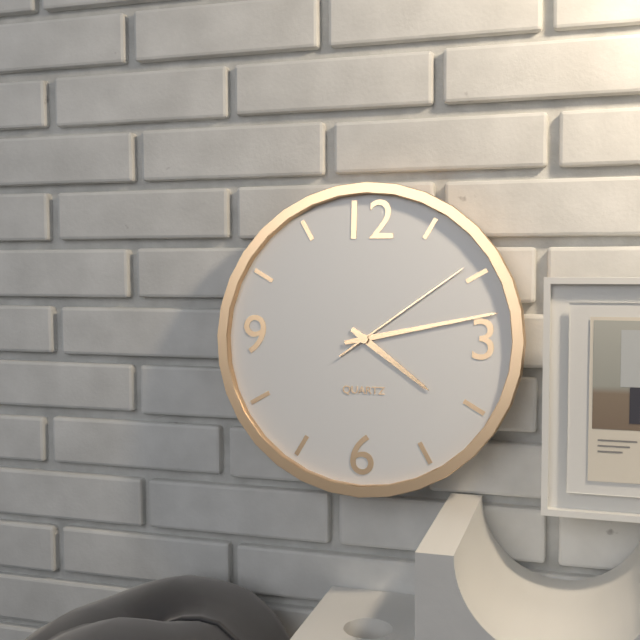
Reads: 4:13:09
